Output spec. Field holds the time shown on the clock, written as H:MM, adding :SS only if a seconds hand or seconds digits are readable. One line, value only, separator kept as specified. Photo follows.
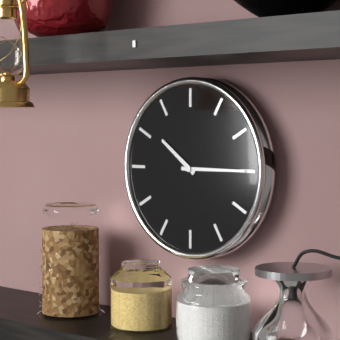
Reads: 10:15
